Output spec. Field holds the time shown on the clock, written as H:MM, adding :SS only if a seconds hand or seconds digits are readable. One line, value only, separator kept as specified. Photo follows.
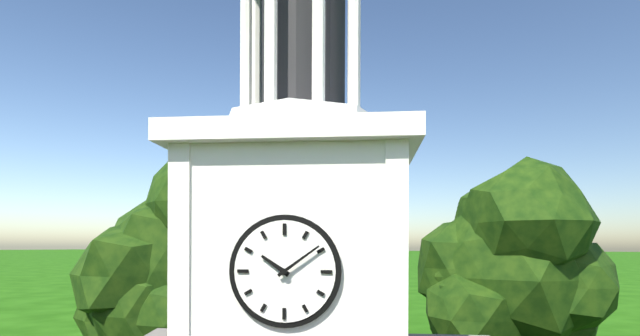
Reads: 10:09
